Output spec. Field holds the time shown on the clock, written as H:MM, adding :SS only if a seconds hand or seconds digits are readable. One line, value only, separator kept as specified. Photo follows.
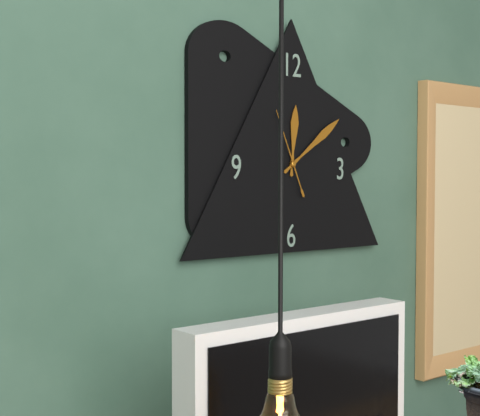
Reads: 12:09:56
